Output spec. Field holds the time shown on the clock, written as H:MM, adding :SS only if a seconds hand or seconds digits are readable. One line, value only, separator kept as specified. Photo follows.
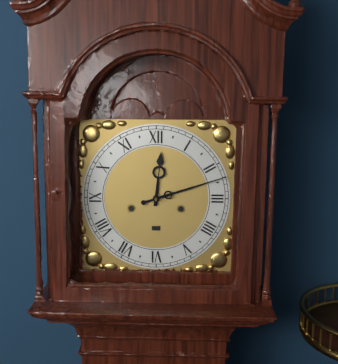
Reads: 12:12
